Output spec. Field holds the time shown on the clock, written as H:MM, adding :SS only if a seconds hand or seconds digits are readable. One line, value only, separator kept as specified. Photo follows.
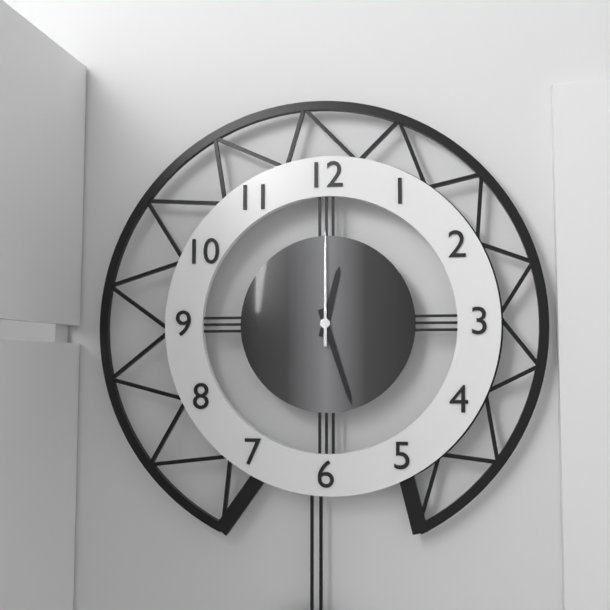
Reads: 12:27:00
